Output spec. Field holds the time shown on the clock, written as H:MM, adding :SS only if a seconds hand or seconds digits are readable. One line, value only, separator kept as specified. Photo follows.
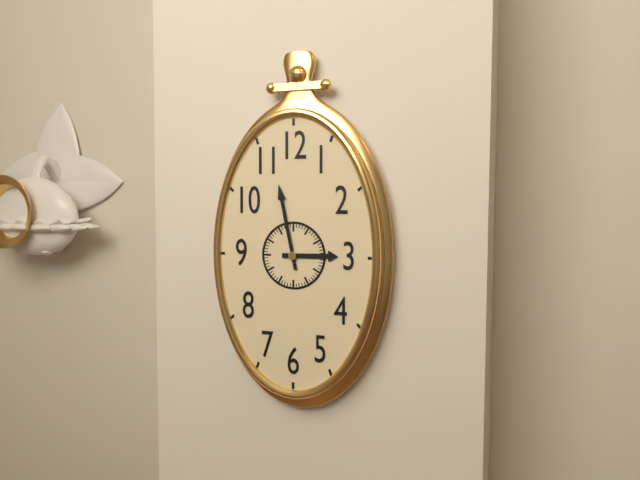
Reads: 2:58
